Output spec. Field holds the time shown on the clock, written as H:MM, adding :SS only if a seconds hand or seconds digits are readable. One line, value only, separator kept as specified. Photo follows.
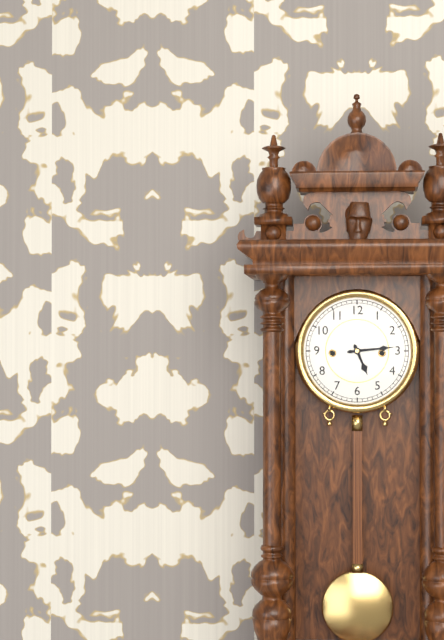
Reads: 5:14
